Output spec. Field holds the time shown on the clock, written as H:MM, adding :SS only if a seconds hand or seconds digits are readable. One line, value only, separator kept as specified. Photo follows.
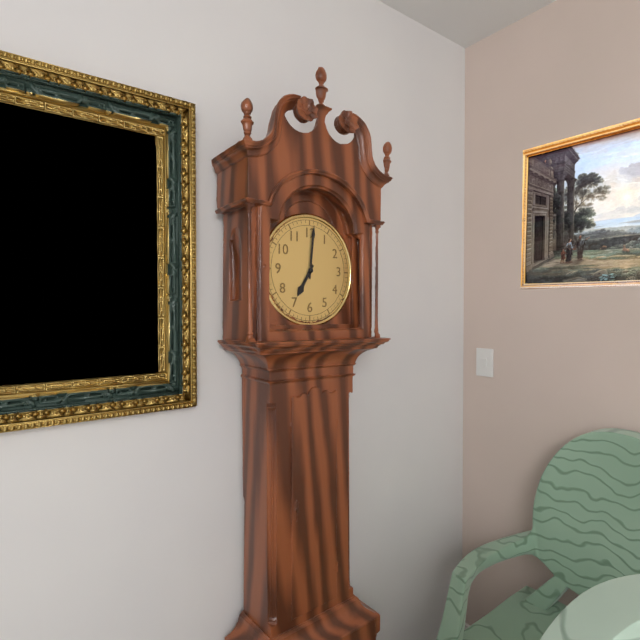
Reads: 7:01
